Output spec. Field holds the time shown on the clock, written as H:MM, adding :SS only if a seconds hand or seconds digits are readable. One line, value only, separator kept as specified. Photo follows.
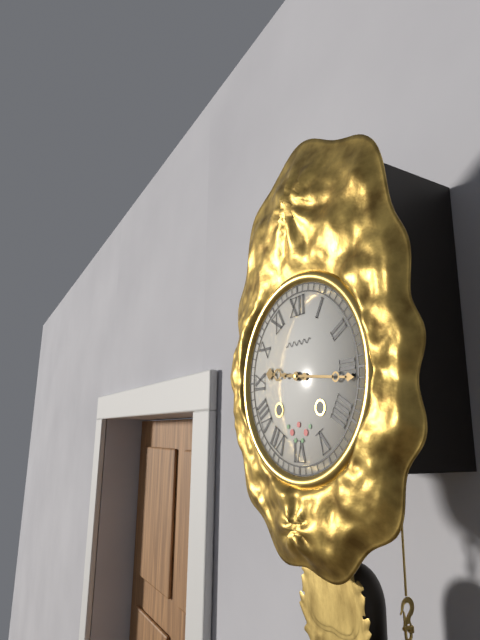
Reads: 9:16
